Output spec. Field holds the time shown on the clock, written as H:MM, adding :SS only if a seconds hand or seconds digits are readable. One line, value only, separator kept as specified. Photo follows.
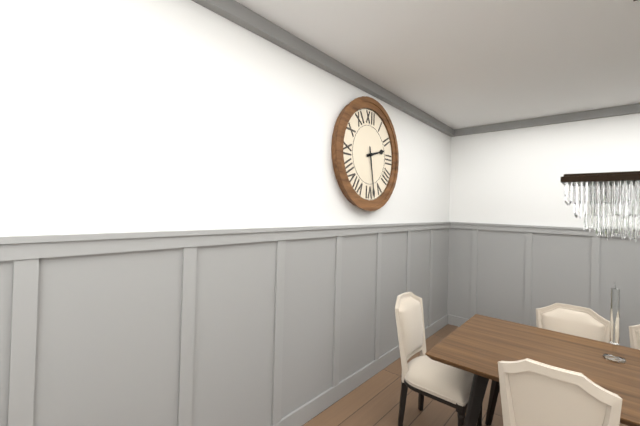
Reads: 2:28
